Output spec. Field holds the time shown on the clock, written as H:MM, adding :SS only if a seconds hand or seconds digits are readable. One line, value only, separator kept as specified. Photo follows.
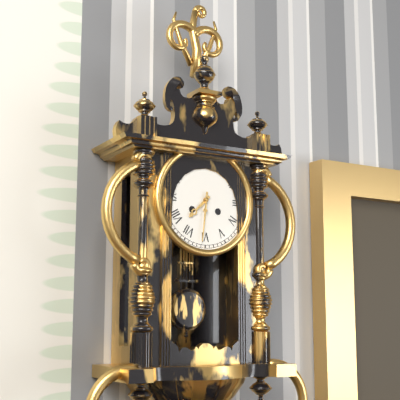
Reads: 7:31
